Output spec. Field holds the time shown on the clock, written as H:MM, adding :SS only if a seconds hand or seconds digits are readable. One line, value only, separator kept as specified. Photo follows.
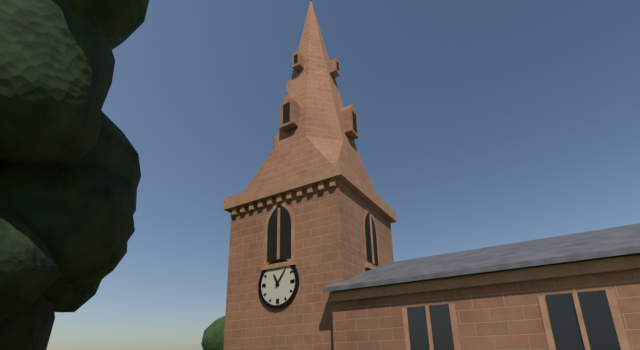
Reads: 11:06
